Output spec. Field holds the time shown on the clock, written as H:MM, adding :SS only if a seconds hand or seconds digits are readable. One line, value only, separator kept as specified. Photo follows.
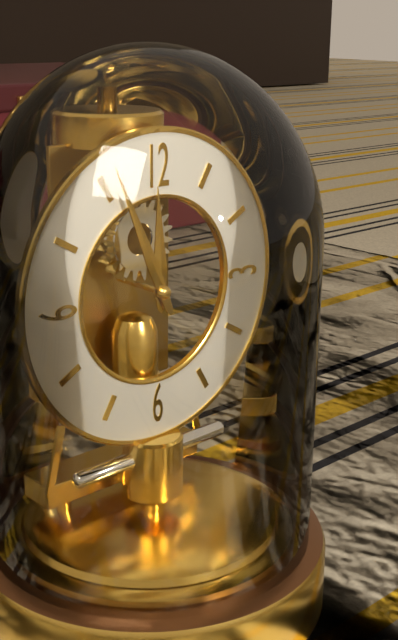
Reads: 11:56
